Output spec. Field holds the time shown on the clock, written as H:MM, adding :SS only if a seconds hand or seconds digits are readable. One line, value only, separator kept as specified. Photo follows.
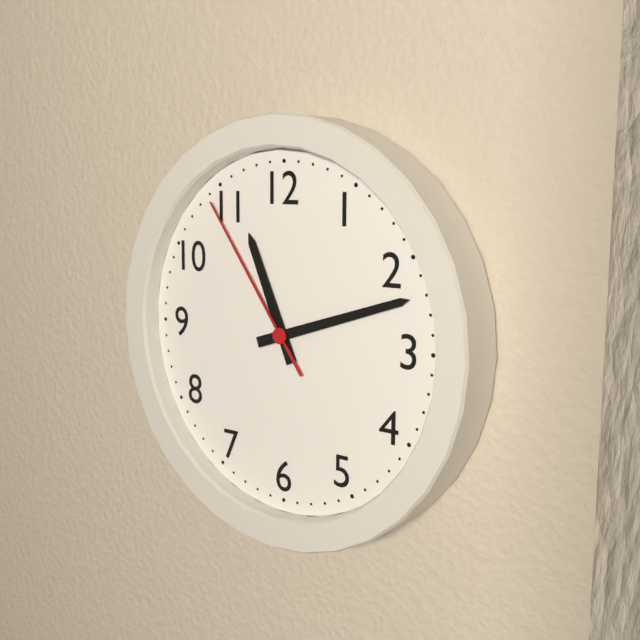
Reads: 11:12:54
